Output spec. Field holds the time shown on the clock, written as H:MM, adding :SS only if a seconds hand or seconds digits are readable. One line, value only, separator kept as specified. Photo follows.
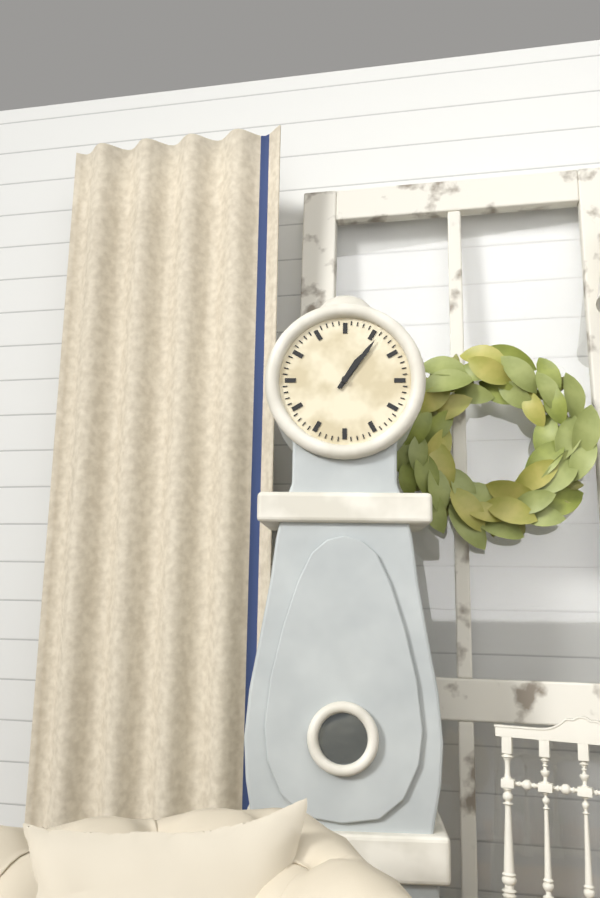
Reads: 1:06
